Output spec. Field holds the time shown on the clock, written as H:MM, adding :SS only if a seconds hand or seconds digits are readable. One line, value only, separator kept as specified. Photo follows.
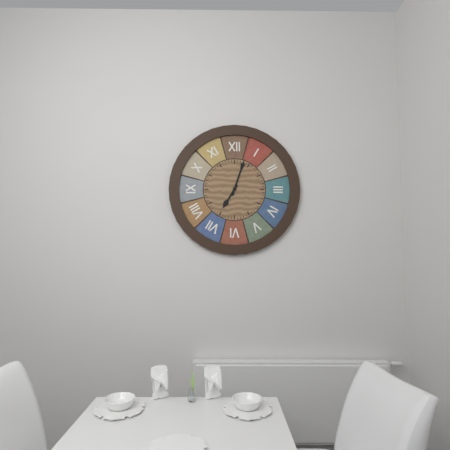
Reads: 7:03
